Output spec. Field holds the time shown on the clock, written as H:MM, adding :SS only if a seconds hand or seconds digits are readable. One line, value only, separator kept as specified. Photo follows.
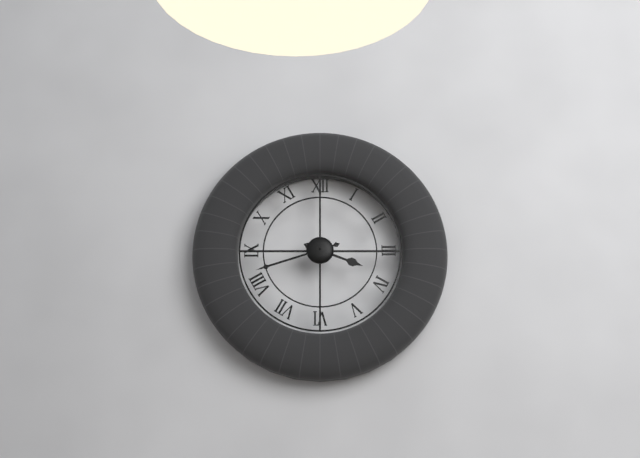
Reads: 3:42
